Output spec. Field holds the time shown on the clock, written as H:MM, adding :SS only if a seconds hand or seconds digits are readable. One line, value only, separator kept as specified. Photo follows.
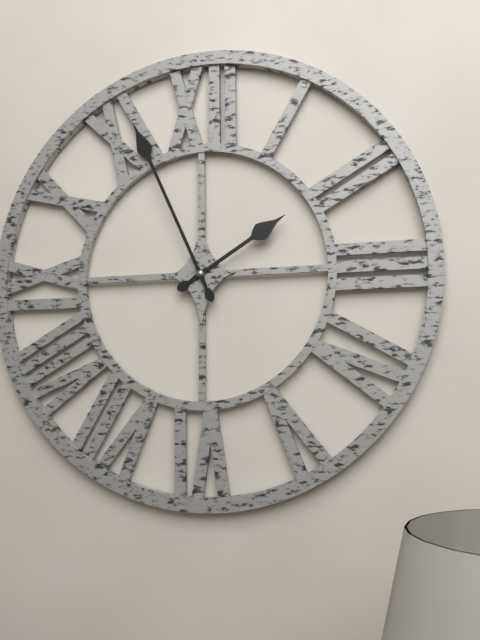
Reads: 1:56
